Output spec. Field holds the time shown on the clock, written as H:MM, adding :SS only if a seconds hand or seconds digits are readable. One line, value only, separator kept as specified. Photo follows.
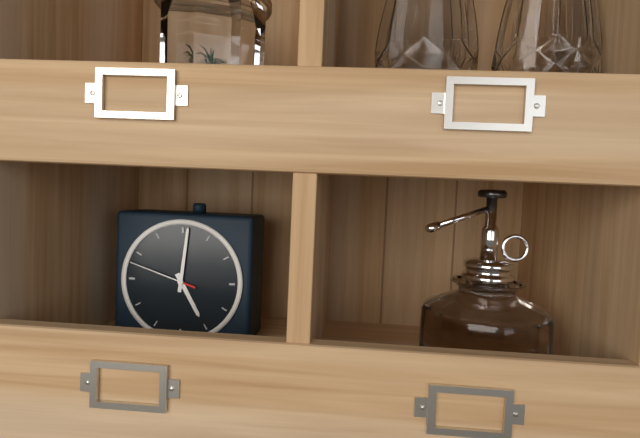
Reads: 5:01:48
